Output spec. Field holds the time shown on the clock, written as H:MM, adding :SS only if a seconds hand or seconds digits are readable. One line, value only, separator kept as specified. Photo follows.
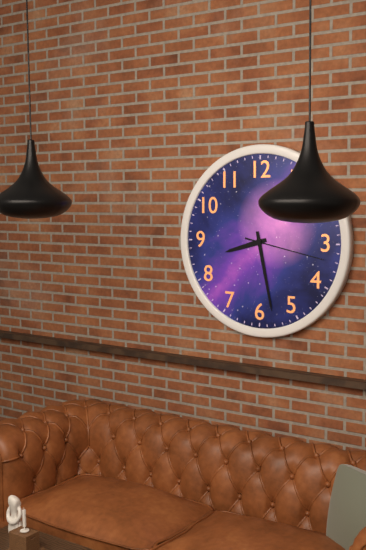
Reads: 8:28:17
